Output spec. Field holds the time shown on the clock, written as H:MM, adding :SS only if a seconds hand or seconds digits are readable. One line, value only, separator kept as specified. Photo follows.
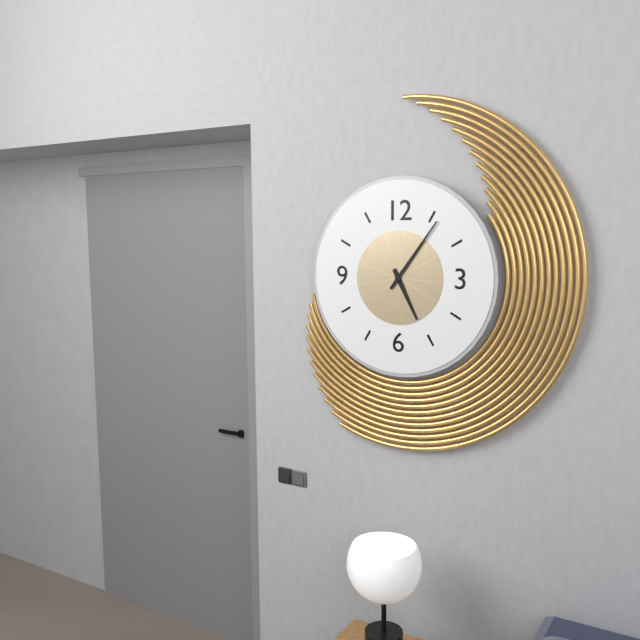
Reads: 5:06
